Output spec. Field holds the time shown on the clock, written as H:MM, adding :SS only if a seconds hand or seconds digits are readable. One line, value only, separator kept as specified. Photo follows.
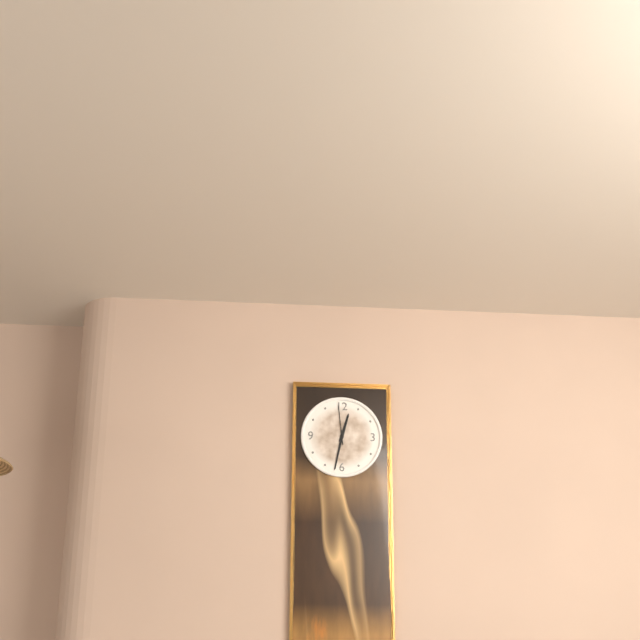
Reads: 12:32
